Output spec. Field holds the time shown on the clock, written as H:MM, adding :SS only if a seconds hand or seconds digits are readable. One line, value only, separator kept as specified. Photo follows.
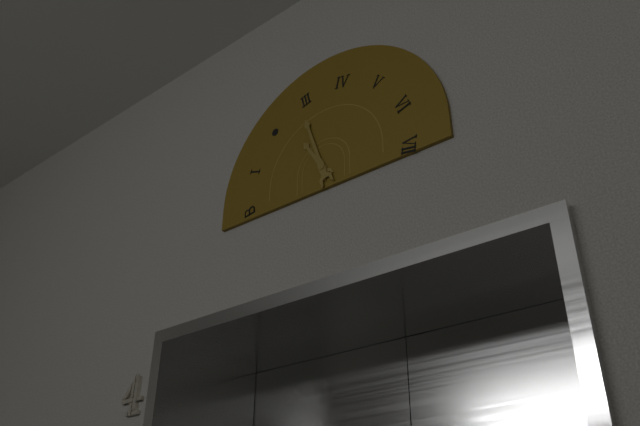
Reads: 10:57
